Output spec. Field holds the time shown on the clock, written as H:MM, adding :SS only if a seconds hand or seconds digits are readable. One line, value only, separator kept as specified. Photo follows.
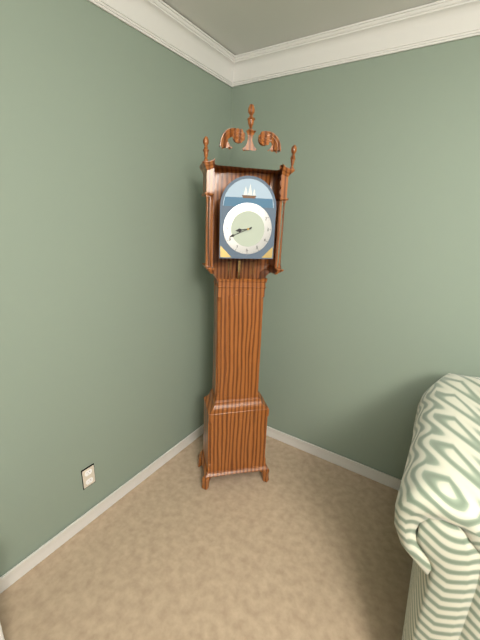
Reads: 8:41
